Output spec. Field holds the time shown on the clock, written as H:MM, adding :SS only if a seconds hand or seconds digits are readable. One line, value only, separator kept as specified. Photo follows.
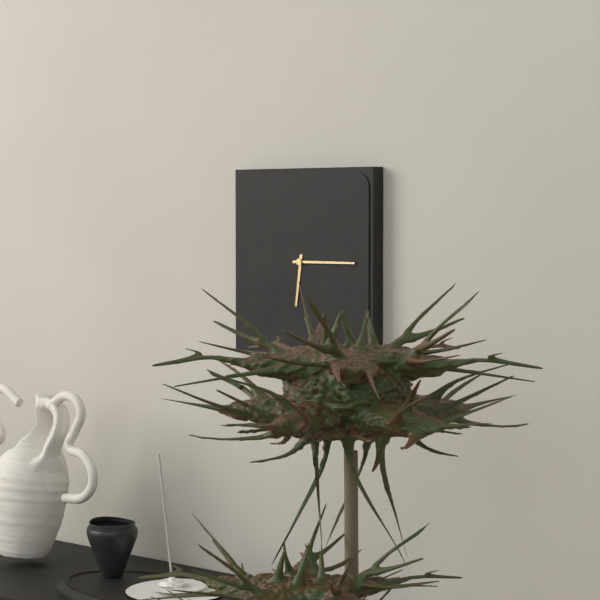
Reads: 6:15
